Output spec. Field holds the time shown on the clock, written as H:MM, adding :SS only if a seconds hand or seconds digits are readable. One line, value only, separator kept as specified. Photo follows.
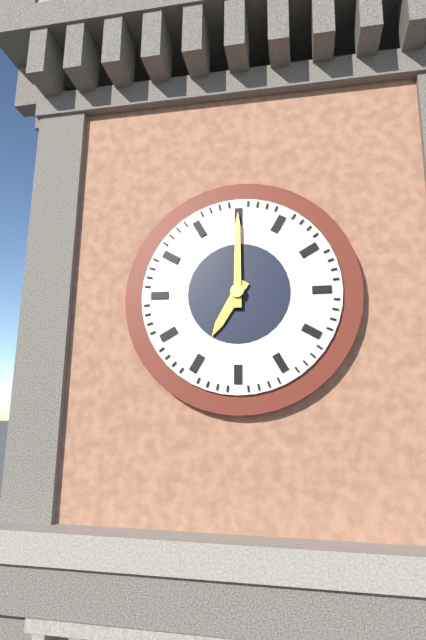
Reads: 7:00
